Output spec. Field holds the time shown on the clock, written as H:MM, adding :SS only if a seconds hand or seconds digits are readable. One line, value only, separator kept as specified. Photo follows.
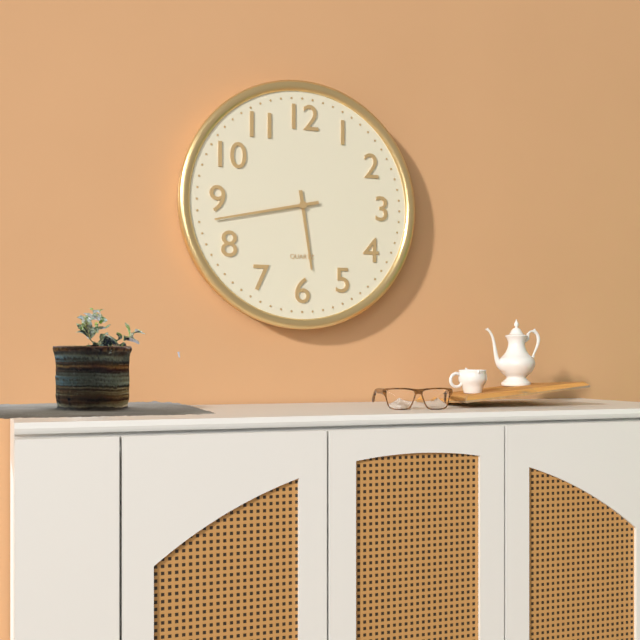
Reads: 5:43
